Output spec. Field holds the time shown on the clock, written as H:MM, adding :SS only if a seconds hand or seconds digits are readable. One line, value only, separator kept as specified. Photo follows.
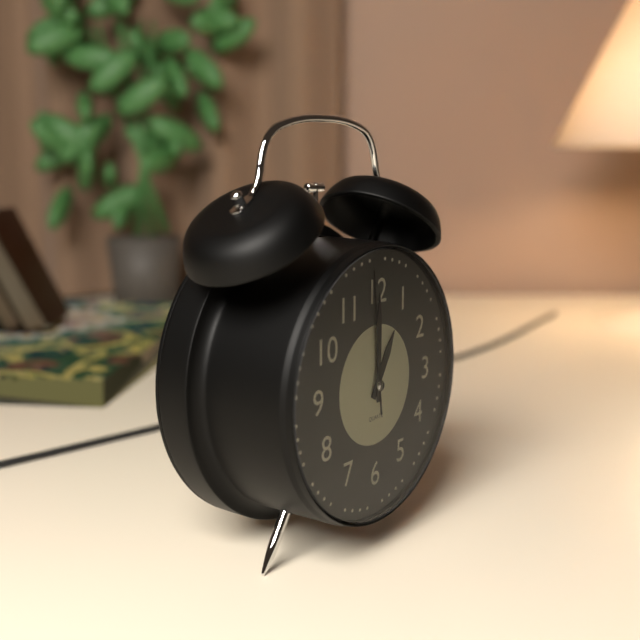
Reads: 1:00:59
